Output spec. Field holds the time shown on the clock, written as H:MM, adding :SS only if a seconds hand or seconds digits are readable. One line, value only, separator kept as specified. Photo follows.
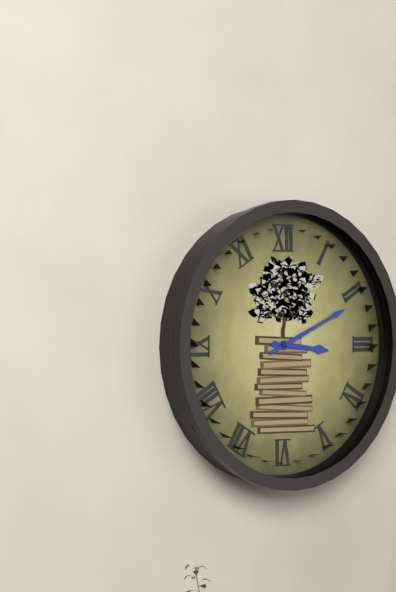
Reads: 3:11
